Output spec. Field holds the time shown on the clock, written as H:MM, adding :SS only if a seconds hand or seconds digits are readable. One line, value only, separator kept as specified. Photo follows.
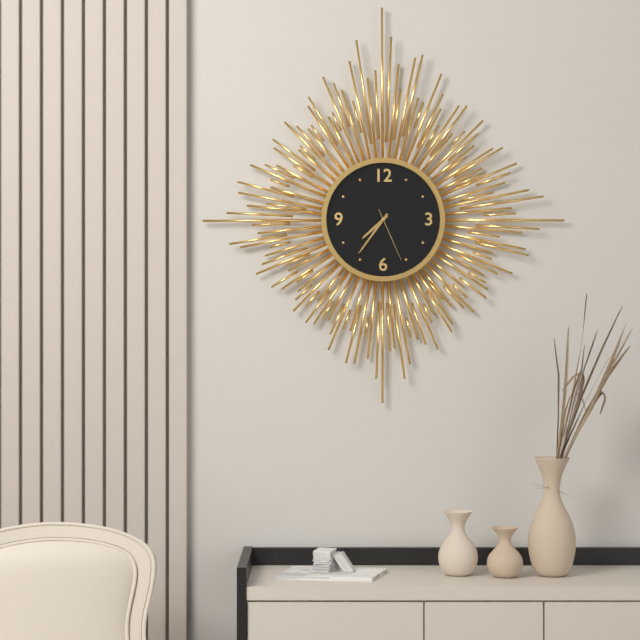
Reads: 7:36:26
